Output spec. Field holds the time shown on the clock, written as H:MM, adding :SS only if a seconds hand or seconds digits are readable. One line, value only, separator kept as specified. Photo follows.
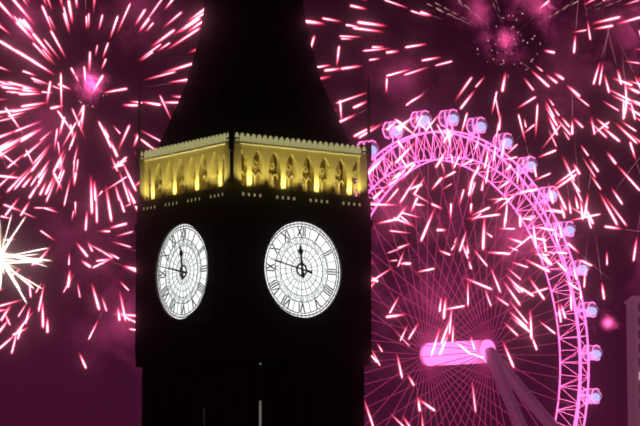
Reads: 11:47
